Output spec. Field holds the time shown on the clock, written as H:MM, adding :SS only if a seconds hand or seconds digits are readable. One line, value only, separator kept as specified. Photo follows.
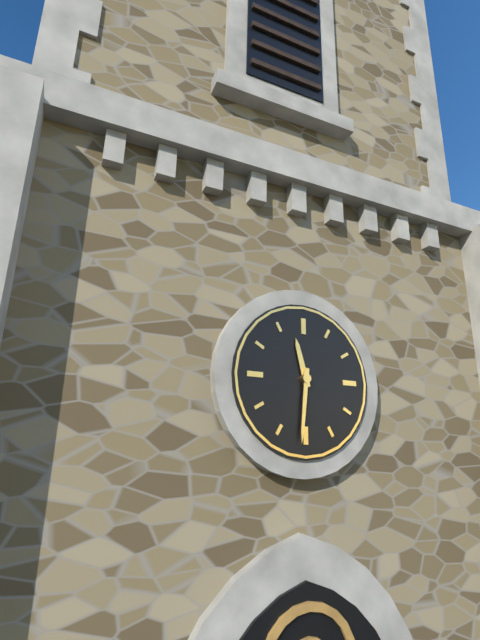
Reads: 11:31
